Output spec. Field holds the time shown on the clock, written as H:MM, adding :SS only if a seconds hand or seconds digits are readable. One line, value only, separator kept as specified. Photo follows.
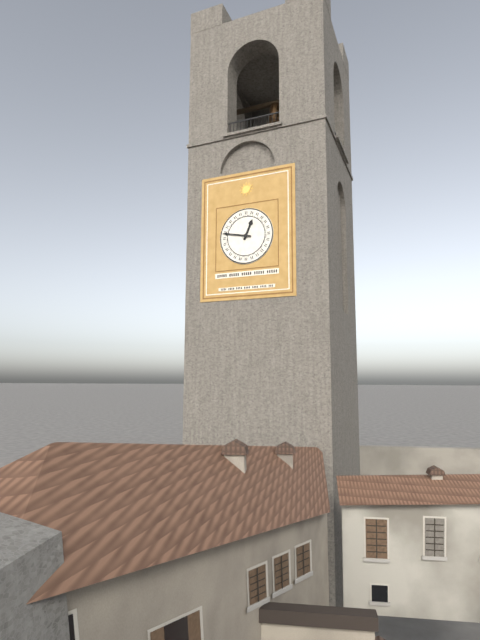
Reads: 12:47
